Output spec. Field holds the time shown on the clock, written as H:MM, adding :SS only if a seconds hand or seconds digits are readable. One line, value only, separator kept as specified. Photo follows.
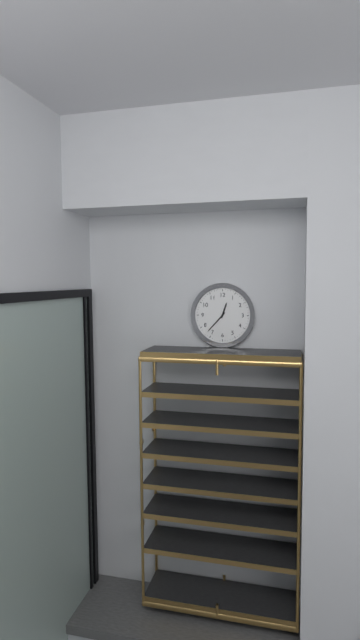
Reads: 12:37
